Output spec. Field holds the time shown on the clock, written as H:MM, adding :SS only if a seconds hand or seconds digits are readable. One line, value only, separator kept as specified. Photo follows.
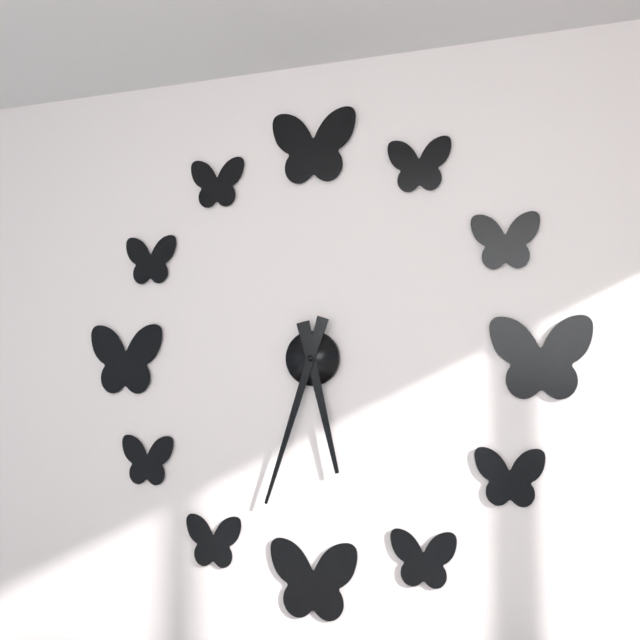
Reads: 5:33
